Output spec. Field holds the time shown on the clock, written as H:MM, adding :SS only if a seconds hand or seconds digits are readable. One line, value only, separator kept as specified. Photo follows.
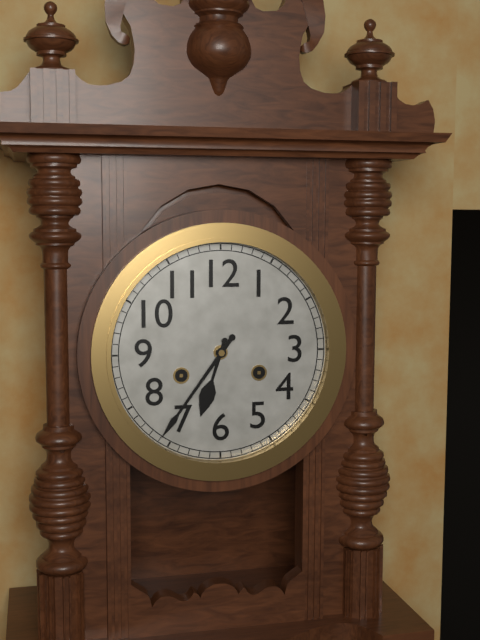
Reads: 6:36
